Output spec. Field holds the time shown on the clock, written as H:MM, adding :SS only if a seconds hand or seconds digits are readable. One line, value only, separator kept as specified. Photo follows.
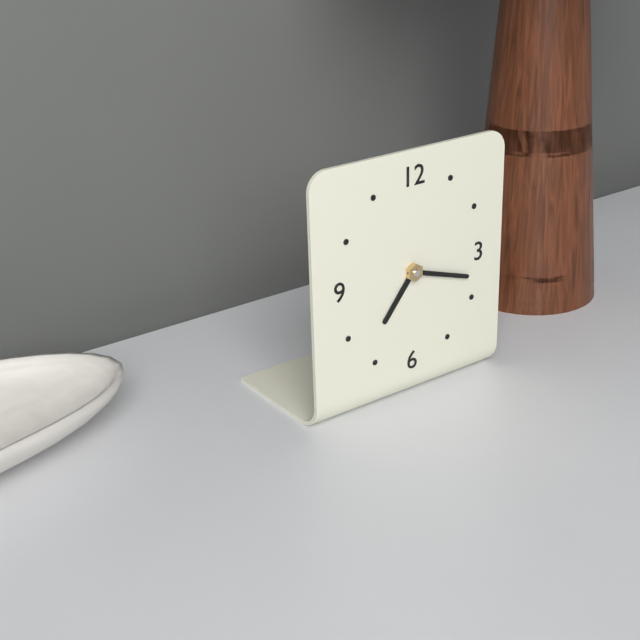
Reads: 7:18
